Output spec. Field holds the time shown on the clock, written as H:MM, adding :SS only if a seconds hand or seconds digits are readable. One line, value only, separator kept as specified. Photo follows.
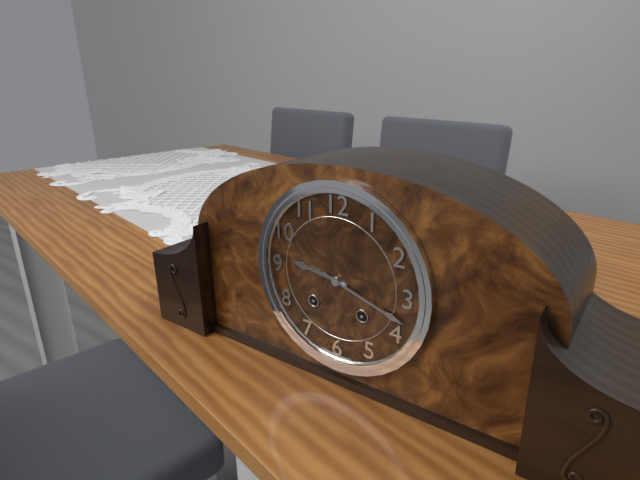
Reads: 9:18
